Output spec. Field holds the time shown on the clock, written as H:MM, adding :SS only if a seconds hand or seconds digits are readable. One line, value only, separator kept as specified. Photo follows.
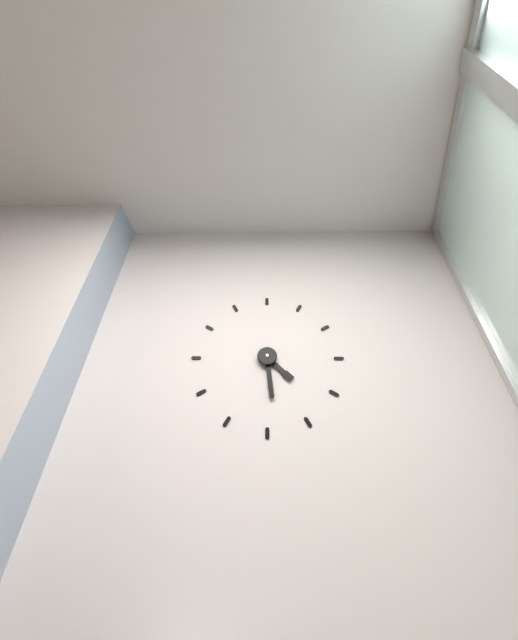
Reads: 4:29
